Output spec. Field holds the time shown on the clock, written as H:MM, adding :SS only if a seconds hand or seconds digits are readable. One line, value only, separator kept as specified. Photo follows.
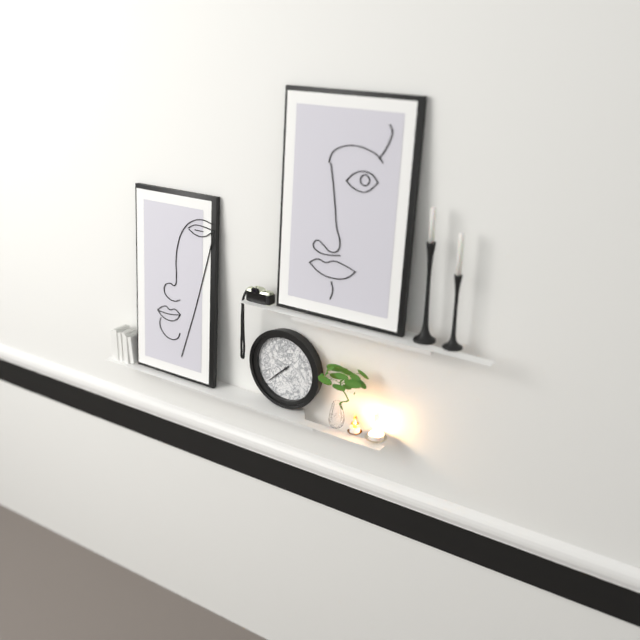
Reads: 7:38
